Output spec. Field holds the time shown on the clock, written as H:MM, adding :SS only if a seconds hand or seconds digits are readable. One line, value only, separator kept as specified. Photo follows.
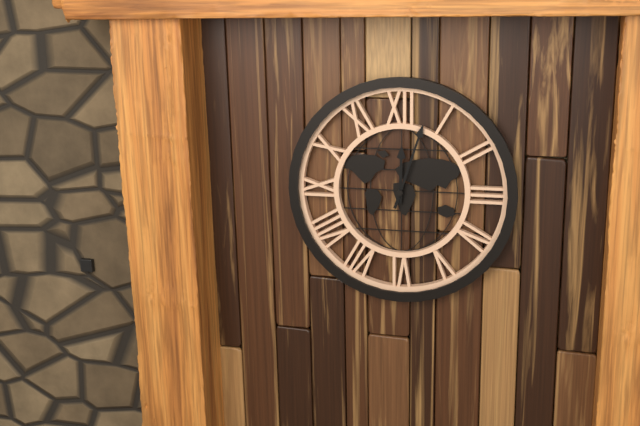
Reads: 12:03
